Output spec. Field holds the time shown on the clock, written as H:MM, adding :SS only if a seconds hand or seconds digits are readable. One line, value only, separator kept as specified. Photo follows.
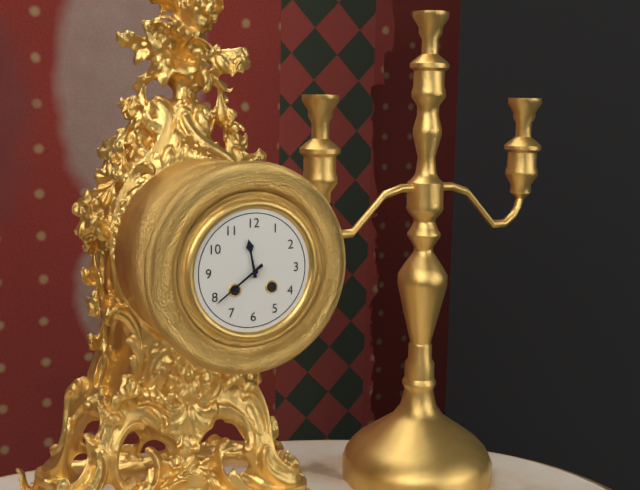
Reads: 11:39
